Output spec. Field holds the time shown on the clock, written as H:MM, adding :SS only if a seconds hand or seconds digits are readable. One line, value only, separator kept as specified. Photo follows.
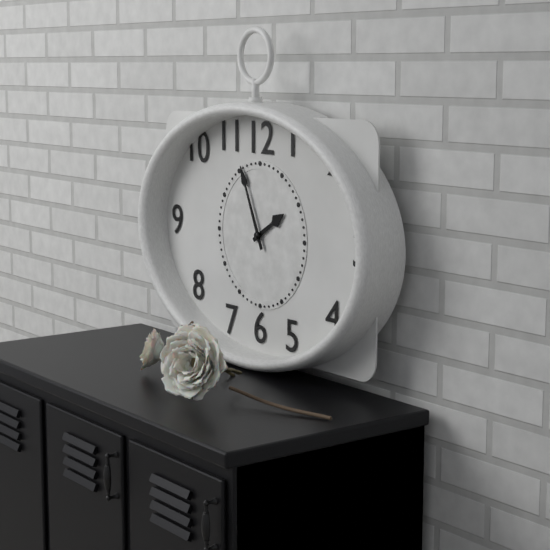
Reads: 1:56
